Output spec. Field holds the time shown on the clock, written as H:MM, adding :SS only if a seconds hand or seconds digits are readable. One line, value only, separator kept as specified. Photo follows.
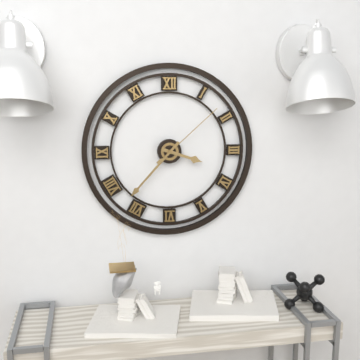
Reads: 3:37:08
